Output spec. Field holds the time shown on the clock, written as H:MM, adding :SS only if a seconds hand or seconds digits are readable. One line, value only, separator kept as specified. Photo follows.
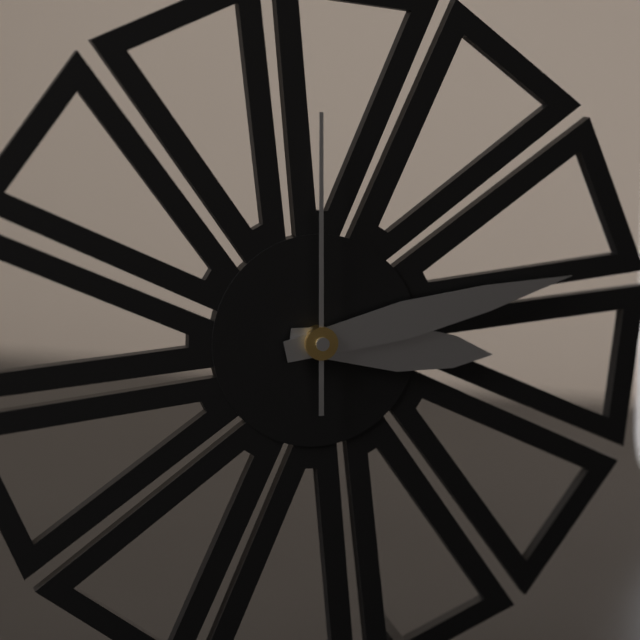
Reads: 3:13:00
